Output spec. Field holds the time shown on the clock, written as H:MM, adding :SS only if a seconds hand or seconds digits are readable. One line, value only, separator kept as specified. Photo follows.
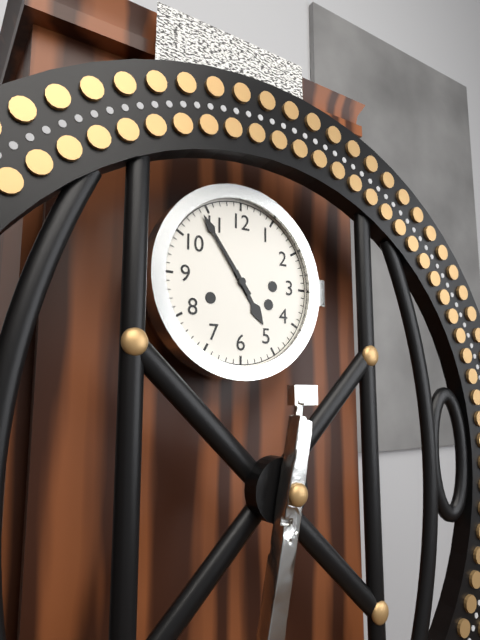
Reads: 4:54
